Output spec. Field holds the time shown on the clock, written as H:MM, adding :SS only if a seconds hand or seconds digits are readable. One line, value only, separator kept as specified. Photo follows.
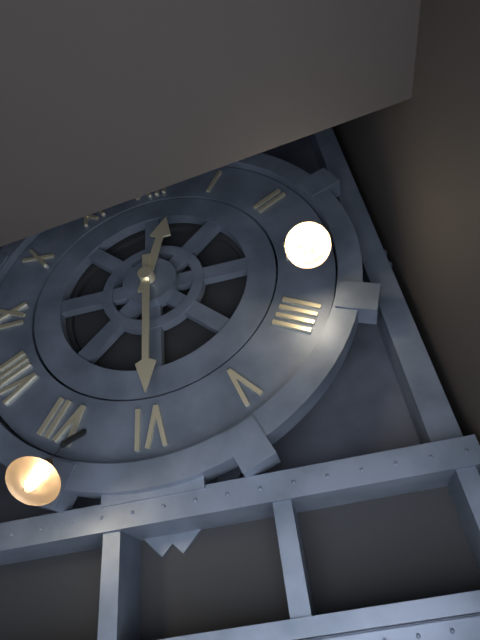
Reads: 12:30
